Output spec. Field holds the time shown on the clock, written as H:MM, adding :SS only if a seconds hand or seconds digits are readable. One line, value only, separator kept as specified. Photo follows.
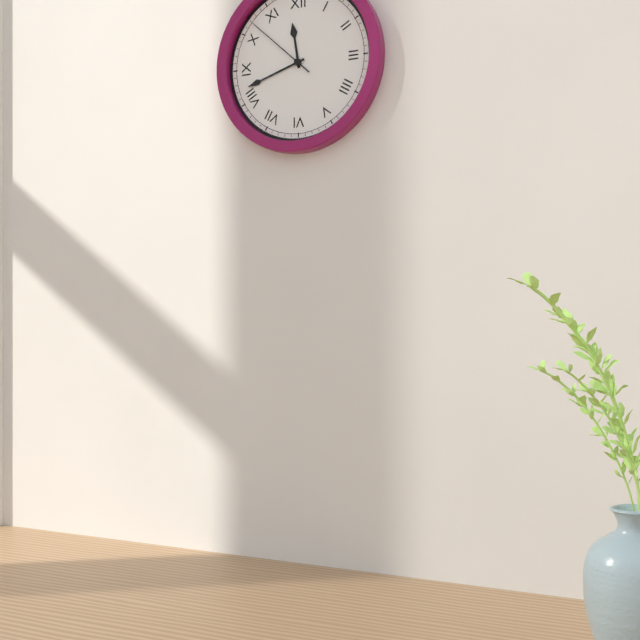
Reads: 11:42:52
